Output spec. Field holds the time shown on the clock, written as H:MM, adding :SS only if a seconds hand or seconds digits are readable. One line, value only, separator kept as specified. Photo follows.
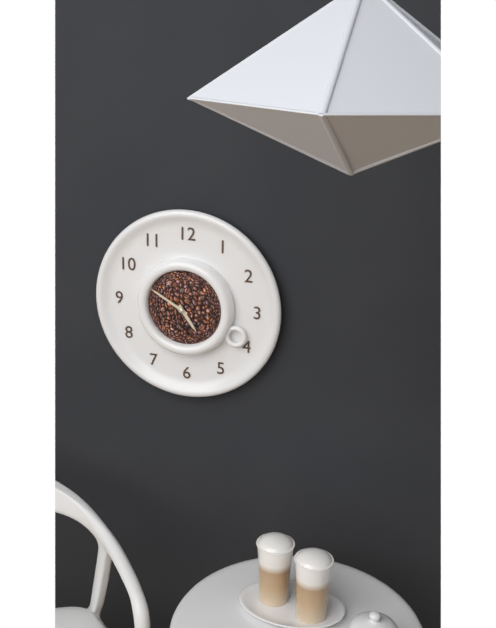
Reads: 4:50
